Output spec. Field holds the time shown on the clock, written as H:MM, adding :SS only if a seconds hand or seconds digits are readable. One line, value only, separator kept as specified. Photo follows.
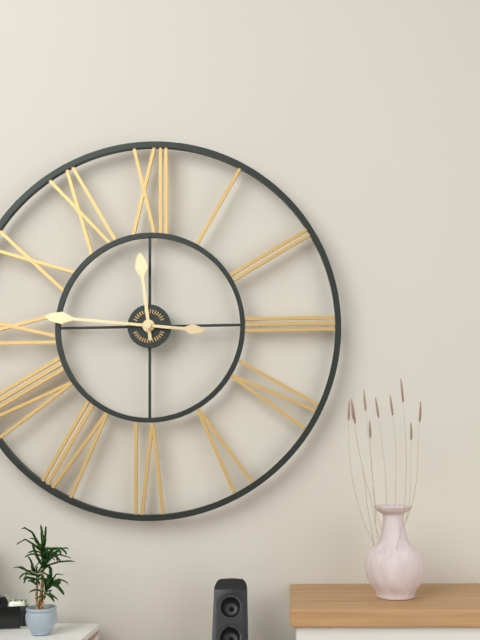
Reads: 11:46
